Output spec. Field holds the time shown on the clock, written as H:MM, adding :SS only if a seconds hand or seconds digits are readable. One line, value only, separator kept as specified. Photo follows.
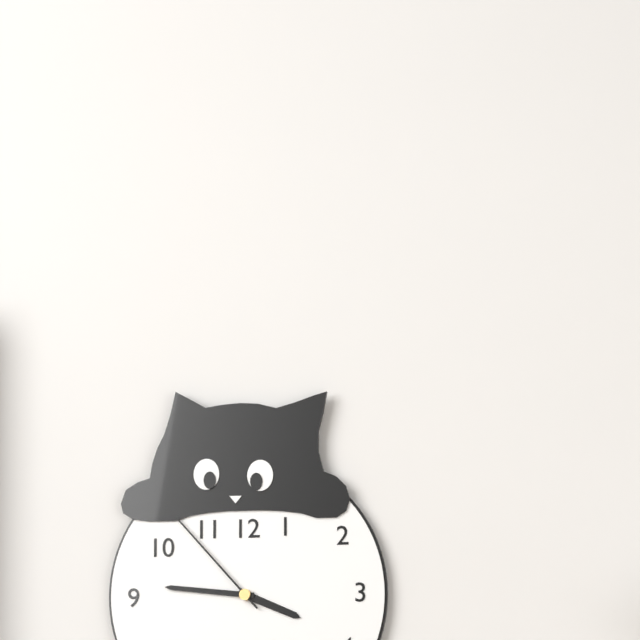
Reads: 3:46:53
